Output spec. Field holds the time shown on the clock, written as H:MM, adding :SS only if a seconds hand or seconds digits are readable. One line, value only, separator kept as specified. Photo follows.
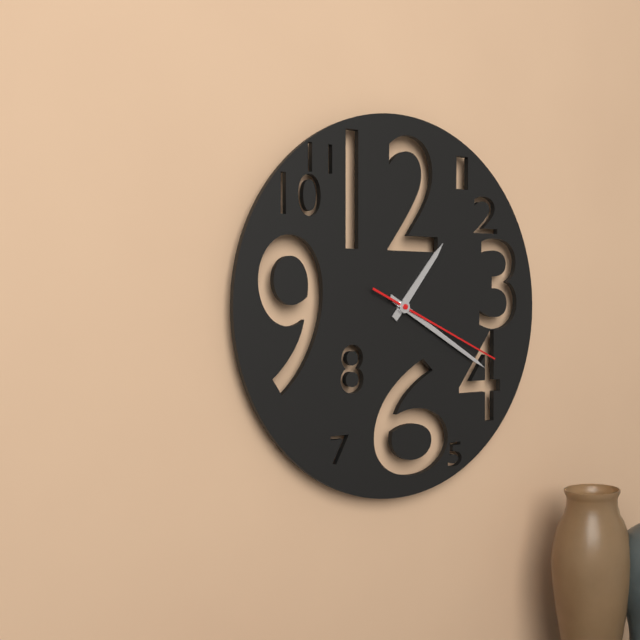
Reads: 1:20:19
